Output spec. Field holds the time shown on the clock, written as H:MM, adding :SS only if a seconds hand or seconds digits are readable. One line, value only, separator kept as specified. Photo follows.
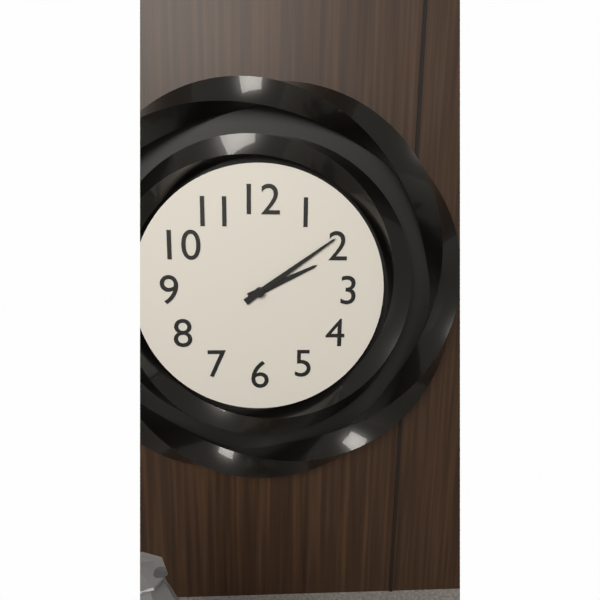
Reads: 2:09
